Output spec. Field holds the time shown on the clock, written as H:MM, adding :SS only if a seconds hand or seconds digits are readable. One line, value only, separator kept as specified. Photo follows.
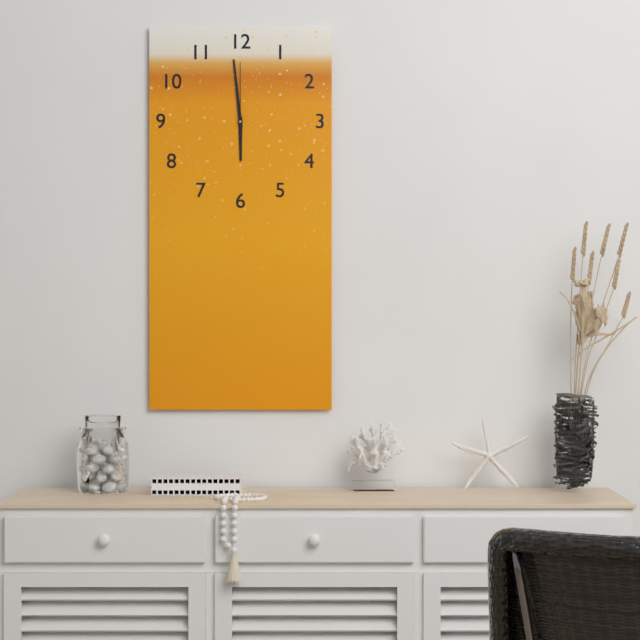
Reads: 5:59:00
